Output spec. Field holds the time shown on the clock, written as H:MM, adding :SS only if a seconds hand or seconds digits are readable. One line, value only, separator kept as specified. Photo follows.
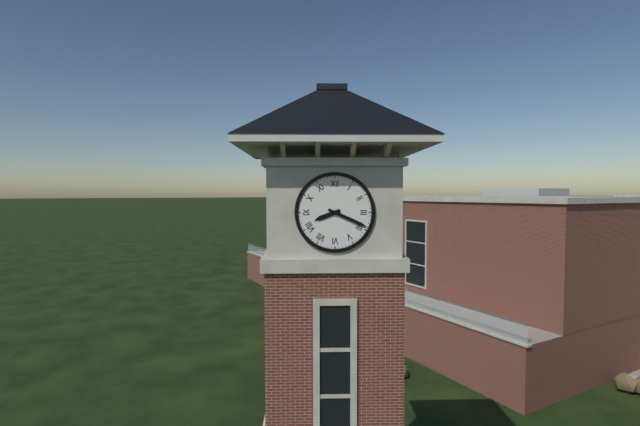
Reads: 8:19
